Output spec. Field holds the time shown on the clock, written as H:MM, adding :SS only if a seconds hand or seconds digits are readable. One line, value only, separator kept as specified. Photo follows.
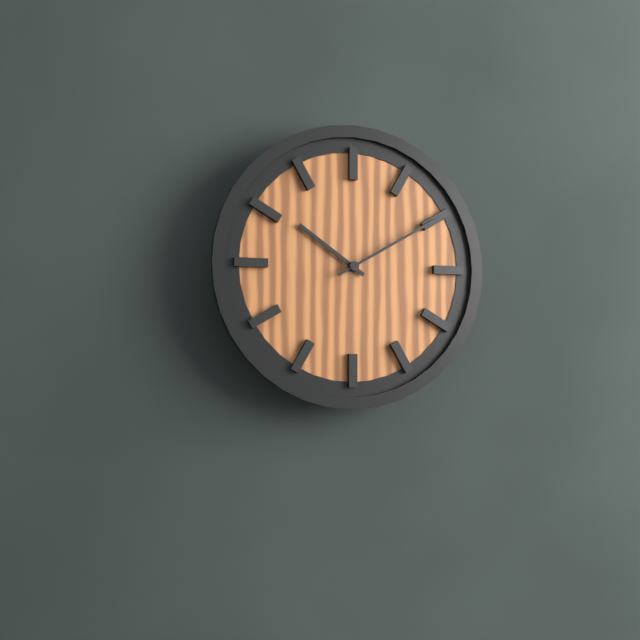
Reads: 10:10
